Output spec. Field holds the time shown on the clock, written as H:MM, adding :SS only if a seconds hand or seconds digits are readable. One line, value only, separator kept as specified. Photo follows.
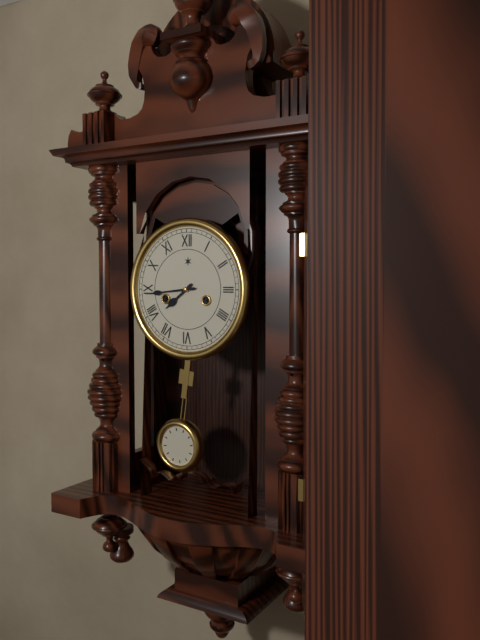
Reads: 7:44
